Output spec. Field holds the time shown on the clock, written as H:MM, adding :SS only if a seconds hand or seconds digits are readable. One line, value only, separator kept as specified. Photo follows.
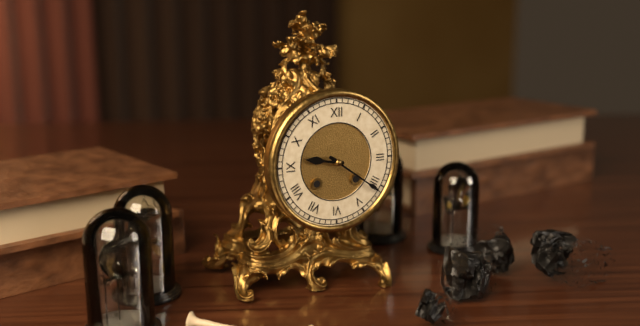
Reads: 9:21
